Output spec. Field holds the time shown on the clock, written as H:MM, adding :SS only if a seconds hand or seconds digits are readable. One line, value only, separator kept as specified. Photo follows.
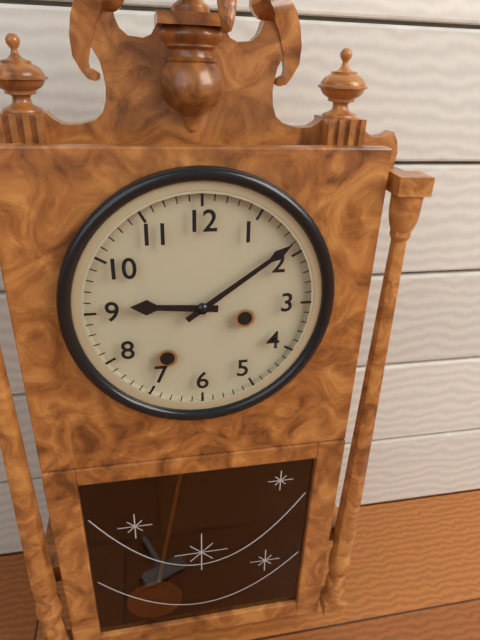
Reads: 9:09
